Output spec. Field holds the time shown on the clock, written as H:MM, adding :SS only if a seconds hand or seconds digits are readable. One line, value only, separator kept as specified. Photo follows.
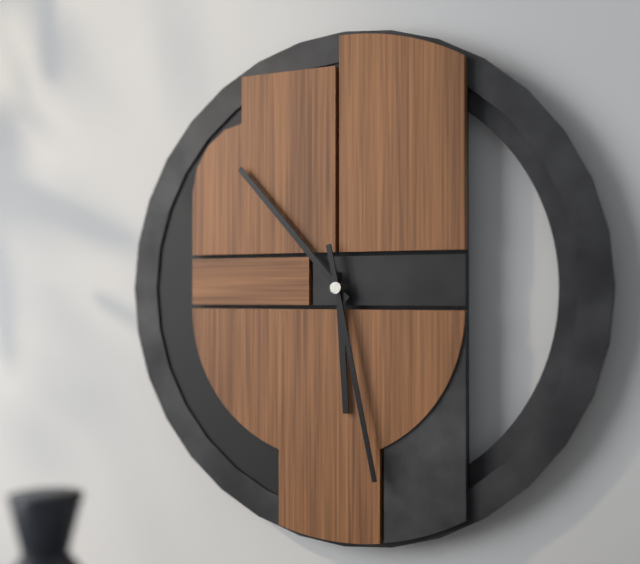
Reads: 5:53:28
